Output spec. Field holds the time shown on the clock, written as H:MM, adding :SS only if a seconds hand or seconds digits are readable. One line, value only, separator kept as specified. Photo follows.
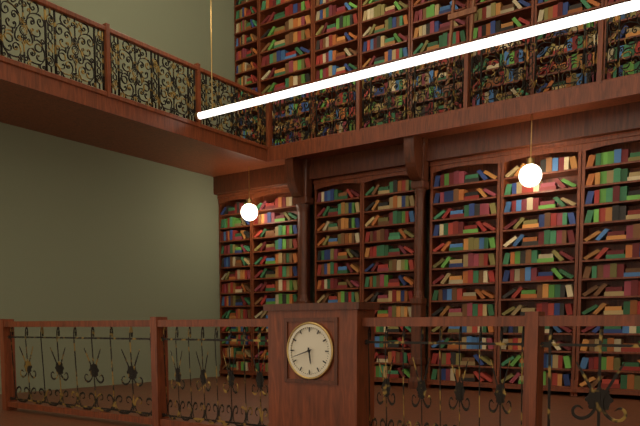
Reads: 5:42
